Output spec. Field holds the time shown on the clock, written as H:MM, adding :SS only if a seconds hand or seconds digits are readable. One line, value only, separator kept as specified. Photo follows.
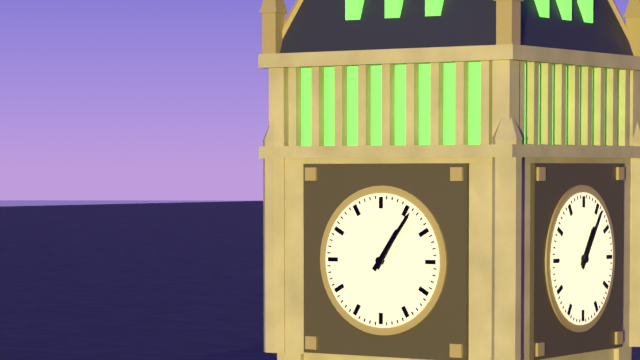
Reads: 1:06
